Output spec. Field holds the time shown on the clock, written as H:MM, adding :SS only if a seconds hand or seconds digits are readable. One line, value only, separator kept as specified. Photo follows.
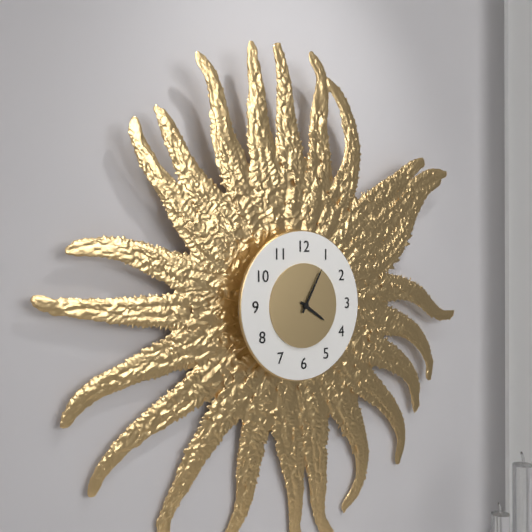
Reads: 4:05
